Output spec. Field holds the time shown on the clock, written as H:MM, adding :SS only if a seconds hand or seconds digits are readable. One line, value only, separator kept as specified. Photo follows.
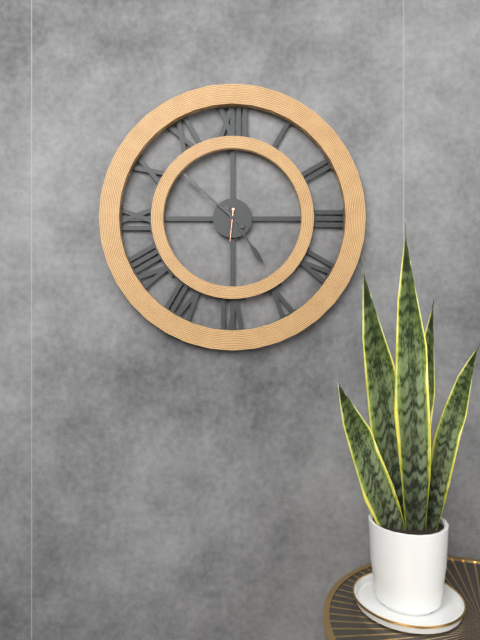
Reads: 4:52
